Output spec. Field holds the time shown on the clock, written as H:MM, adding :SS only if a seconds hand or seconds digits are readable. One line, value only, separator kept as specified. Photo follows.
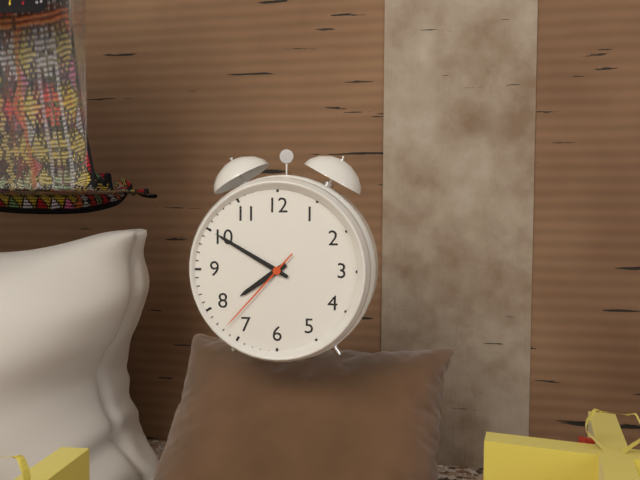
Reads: 7:50:37
